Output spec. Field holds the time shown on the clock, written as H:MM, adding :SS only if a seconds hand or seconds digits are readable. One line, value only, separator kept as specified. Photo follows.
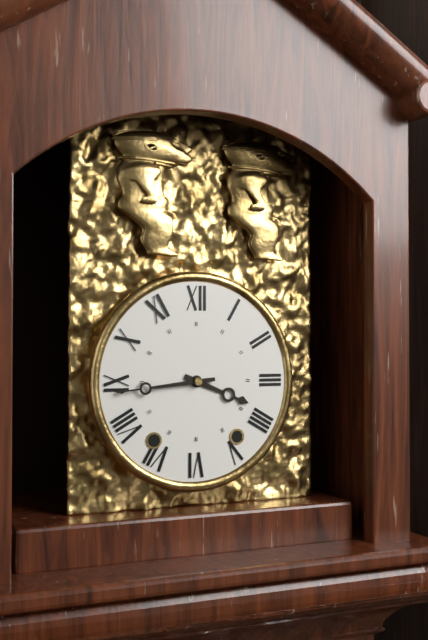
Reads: 3:44
